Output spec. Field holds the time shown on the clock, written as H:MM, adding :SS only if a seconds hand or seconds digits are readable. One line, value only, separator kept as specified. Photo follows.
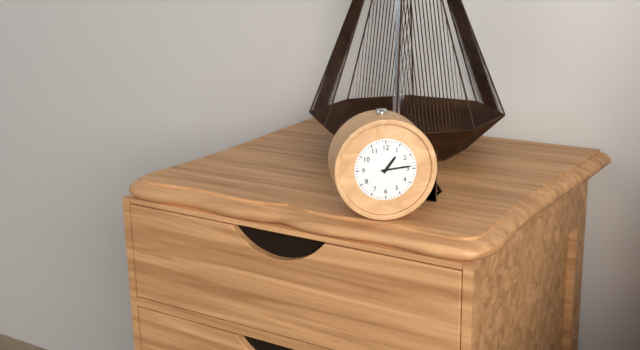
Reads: 1:14
